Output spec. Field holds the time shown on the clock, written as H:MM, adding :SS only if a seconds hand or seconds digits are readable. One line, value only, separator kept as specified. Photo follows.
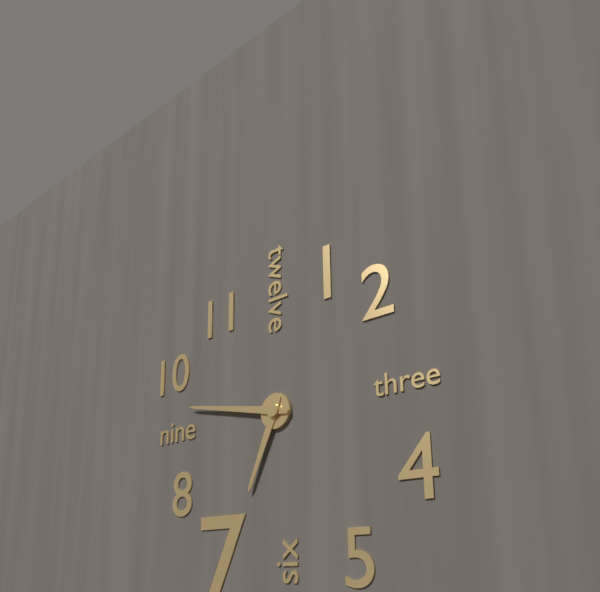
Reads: 6:47
